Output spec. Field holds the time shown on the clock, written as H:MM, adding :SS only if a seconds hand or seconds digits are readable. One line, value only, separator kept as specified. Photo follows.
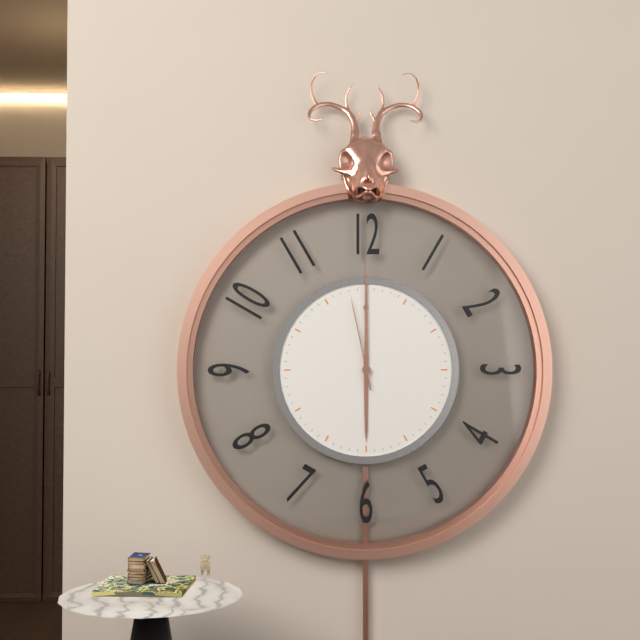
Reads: 6:00:58
